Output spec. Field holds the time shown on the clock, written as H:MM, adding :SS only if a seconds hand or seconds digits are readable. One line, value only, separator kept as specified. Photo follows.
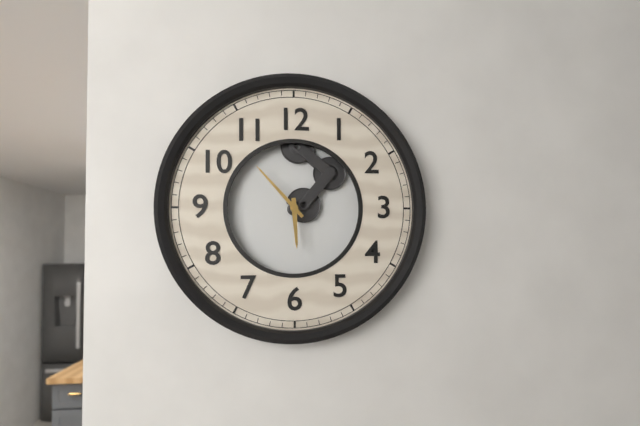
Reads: 5:53
